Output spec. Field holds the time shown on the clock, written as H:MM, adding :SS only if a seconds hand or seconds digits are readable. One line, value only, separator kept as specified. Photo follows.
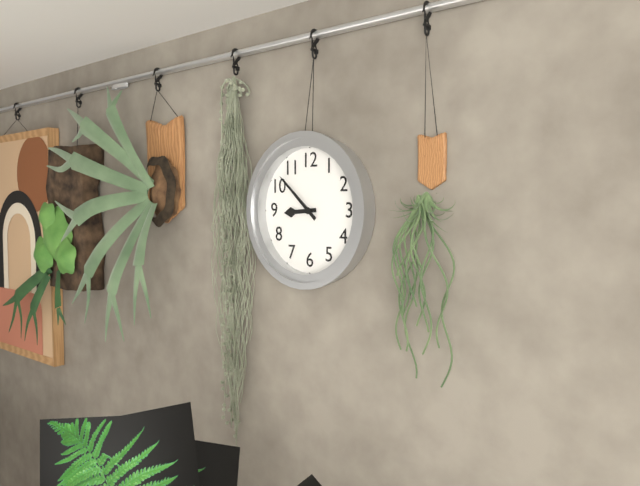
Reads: 8:52
